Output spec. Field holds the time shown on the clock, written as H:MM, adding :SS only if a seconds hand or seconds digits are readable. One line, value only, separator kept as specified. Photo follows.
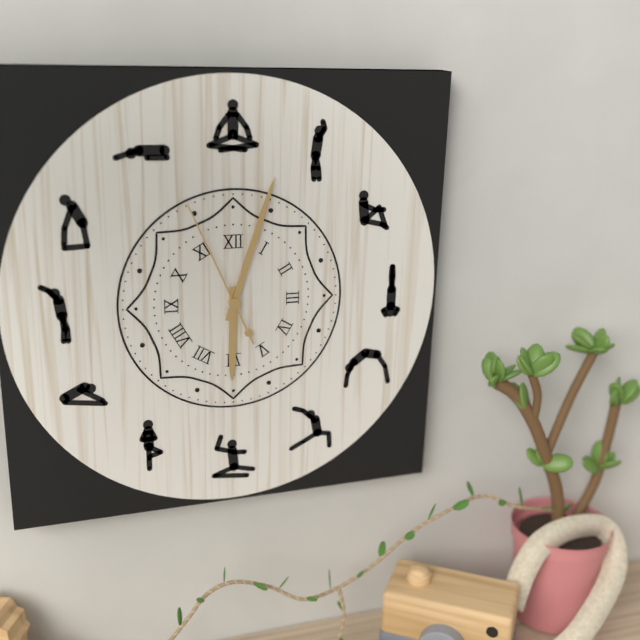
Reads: 6:03:56
